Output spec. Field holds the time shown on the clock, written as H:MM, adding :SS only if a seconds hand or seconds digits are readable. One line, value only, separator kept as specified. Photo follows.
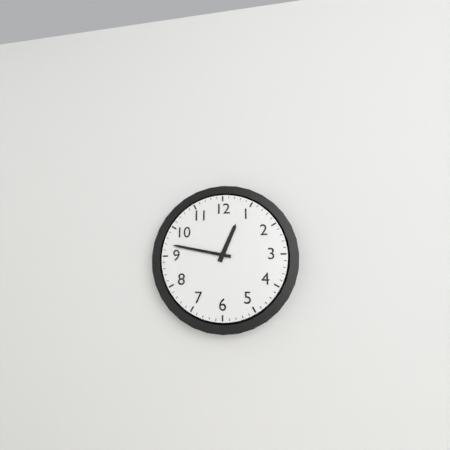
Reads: 12:47
